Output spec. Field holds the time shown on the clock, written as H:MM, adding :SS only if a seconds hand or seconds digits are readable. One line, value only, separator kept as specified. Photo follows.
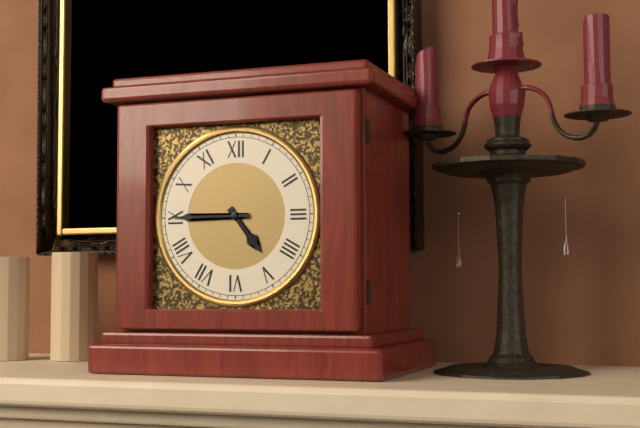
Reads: 4:45
